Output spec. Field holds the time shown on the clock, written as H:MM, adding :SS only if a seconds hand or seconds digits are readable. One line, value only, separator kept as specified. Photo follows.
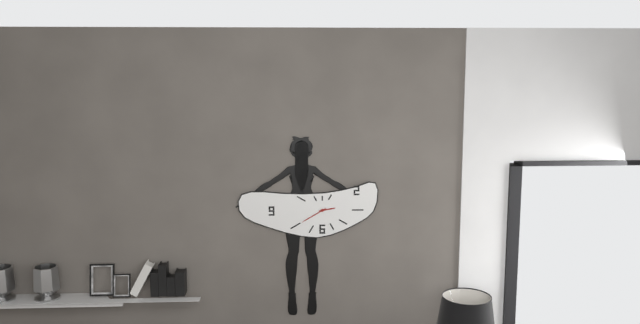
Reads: 2:40
